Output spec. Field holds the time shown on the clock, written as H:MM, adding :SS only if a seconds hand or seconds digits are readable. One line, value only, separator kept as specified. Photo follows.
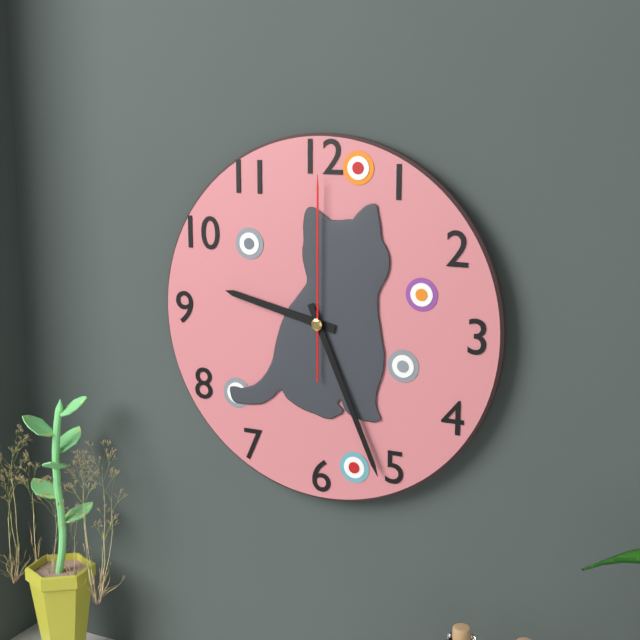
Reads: 9:26:00
